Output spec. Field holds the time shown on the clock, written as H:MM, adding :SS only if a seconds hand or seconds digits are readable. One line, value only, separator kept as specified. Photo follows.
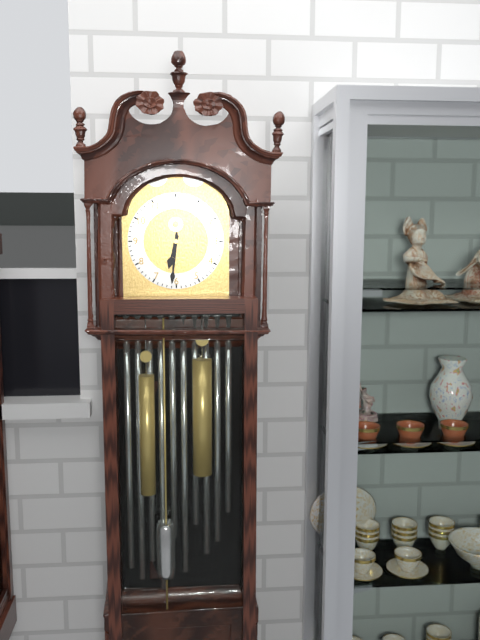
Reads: 6:31
